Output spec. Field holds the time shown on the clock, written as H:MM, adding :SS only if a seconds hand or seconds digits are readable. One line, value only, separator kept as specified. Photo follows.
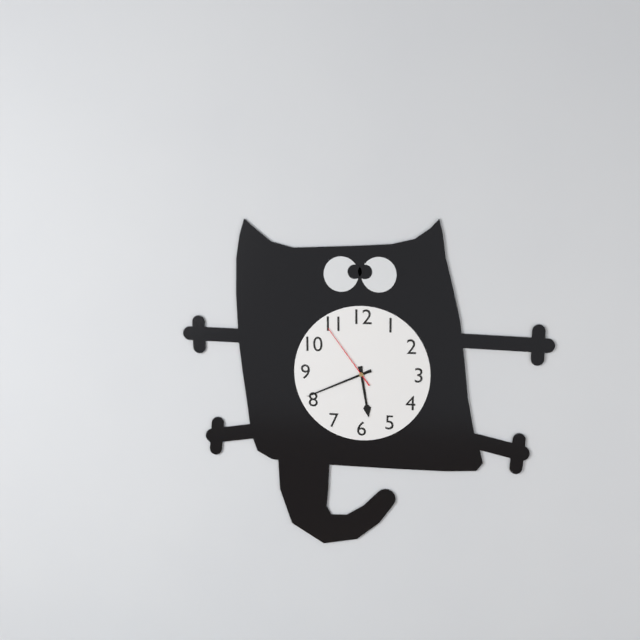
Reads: 5:41:54
